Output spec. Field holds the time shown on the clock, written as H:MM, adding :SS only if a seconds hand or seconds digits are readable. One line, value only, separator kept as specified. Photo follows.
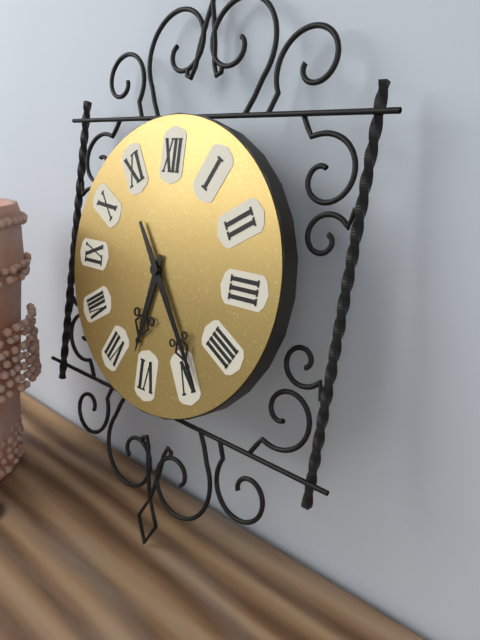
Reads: 6:24
